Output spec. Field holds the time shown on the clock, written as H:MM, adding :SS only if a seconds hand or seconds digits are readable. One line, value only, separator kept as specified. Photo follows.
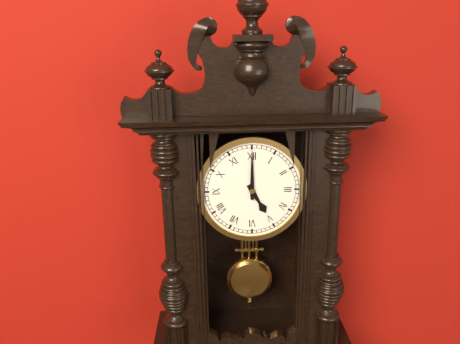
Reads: 5:00
